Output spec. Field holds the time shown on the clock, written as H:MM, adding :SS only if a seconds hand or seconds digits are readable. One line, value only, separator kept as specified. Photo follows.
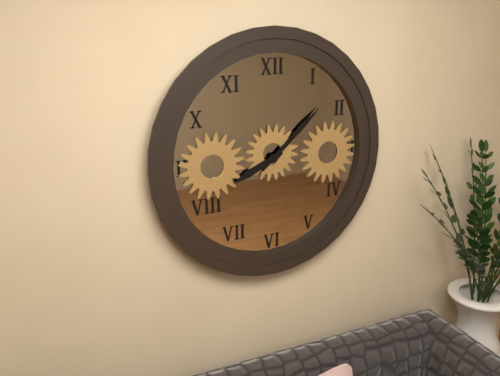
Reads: 8:08
